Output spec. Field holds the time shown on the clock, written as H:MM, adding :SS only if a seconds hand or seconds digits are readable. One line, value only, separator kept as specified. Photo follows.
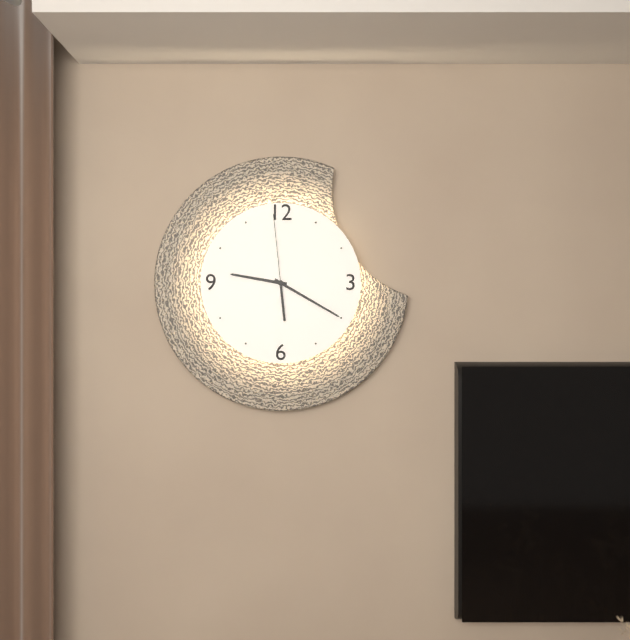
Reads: 9:20:59
